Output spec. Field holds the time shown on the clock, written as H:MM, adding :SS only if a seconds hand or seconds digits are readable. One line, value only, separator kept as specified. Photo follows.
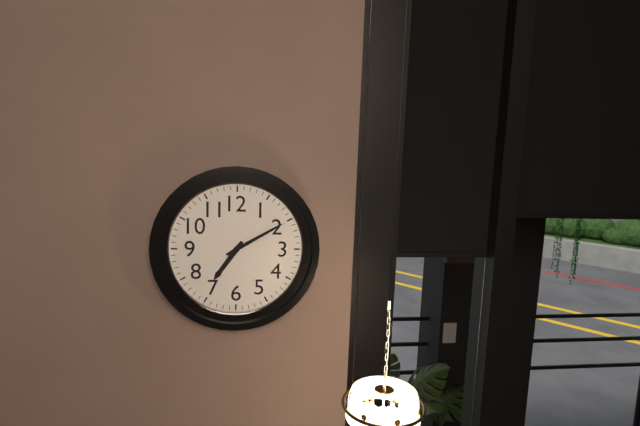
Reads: 7:10
